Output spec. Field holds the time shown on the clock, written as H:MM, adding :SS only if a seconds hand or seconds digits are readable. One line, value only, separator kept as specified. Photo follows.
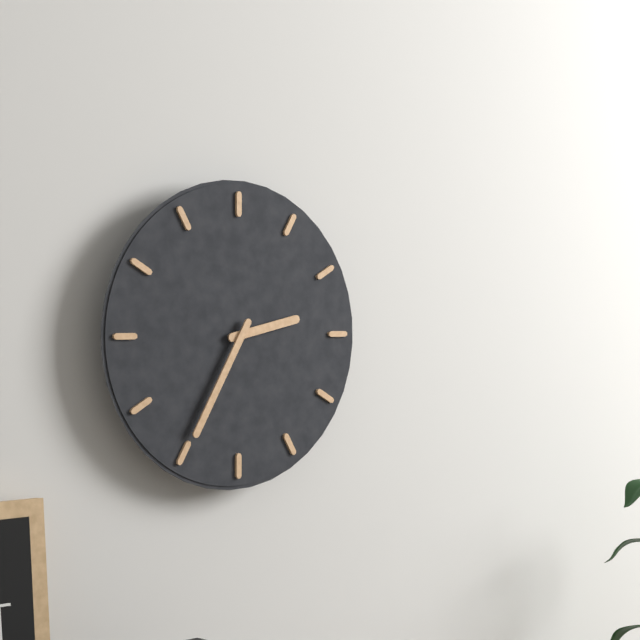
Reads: 2:35
